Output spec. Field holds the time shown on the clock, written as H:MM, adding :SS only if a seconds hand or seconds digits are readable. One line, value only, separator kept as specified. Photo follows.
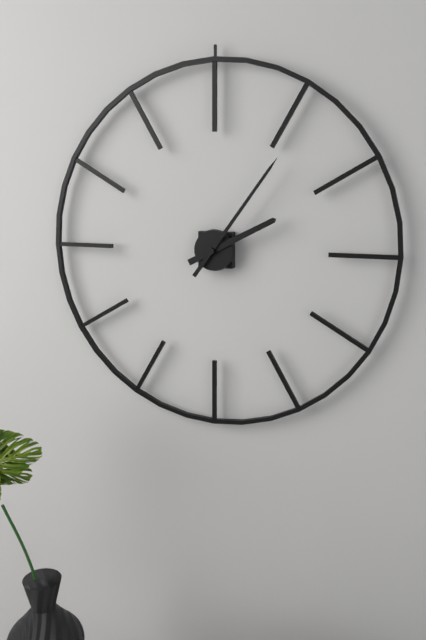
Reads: 2:06
